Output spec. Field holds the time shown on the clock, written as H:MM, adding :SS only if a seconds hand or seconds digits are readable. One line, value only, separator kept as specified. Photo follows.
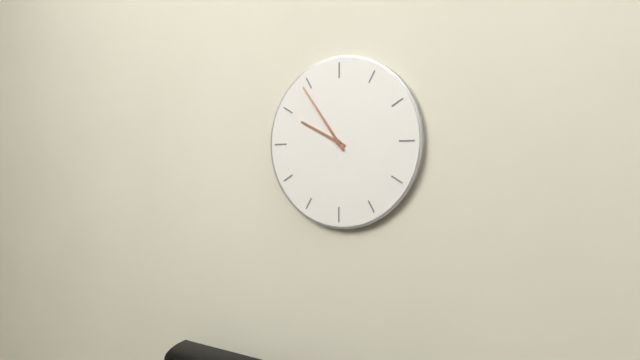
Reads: 9:54
